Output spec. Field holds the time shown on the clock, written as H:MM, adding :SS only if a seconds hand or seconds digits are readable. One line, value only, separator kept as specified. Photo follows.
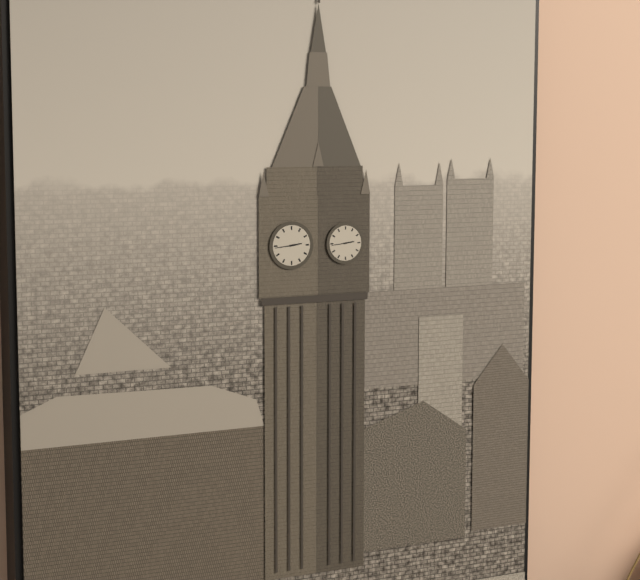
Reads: 2:44
